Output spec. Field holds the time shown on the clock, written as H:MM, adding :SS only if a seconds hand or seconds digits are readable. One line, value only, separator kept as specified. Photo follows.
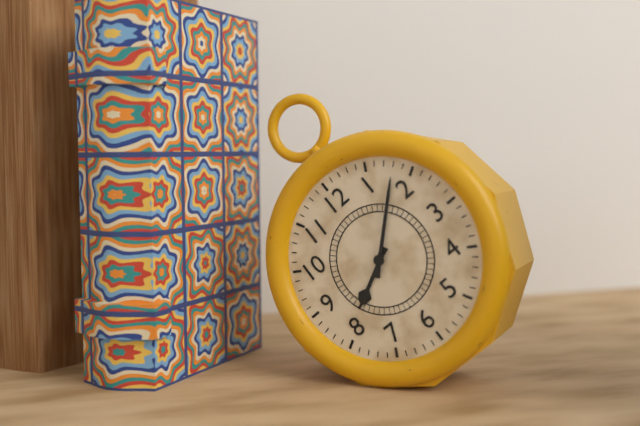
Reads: 8:08
